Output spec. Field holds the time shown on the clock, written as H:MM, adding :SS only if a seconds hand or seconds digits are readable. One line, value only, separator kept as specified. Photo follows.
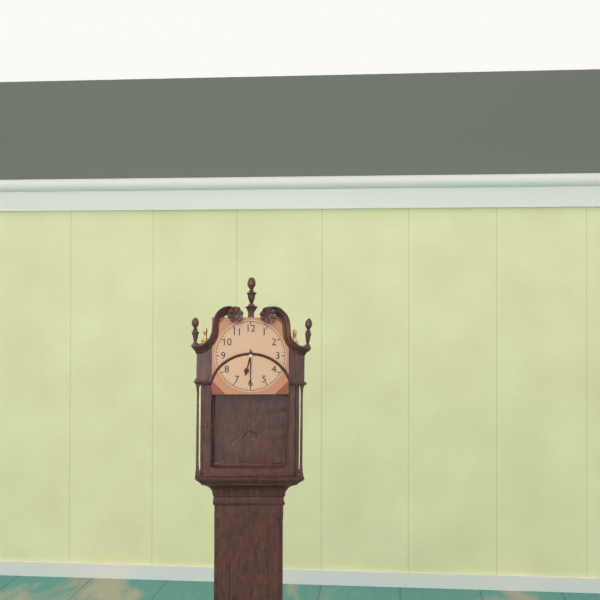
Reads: 6:30
